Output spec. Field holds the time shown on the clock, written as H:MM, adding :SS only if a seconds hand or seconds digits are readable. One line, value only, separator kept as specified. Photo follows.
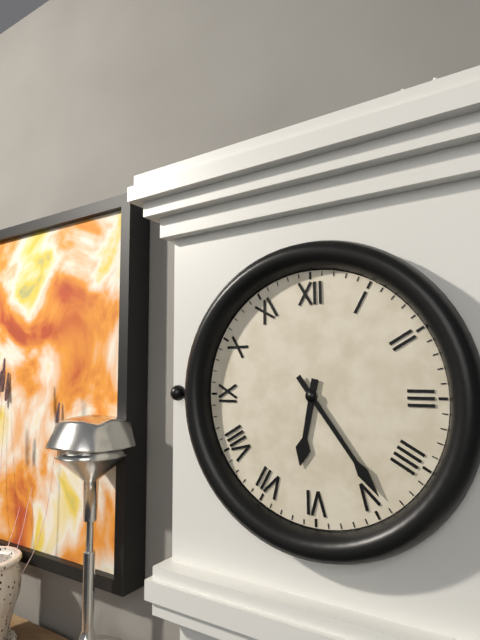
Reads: 6:24
